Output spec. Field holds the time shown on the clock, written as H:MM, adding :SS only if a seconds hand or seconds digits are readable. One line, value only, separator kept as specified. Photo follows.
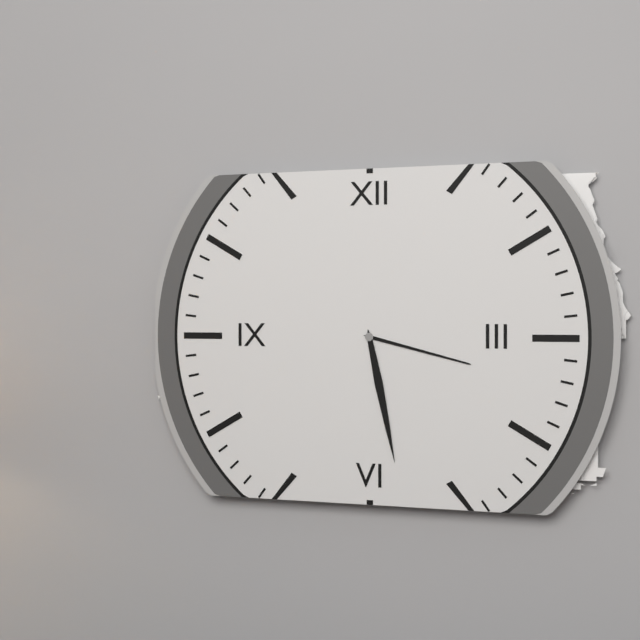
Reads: 3:28
